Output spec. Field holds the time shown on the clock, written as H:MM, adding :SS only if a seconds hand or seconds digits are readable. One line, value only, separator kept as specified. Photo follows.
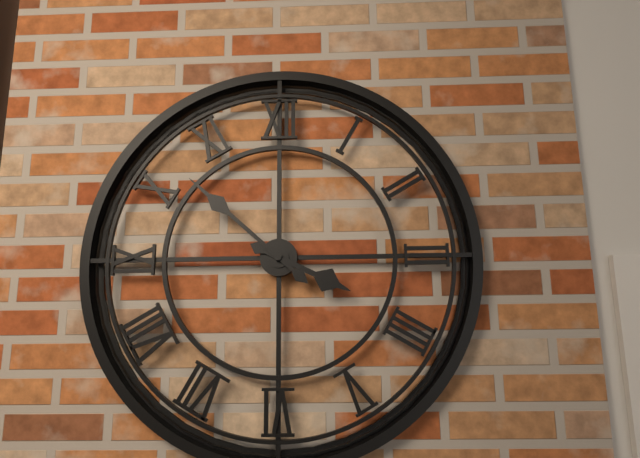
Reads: 3:52
